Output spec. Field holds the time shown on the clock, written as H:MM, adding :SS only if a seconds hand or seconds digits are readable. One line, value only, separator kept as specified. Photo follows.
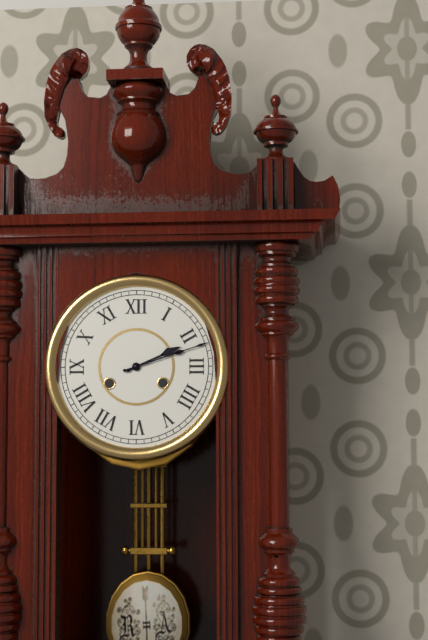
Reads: 2:12
